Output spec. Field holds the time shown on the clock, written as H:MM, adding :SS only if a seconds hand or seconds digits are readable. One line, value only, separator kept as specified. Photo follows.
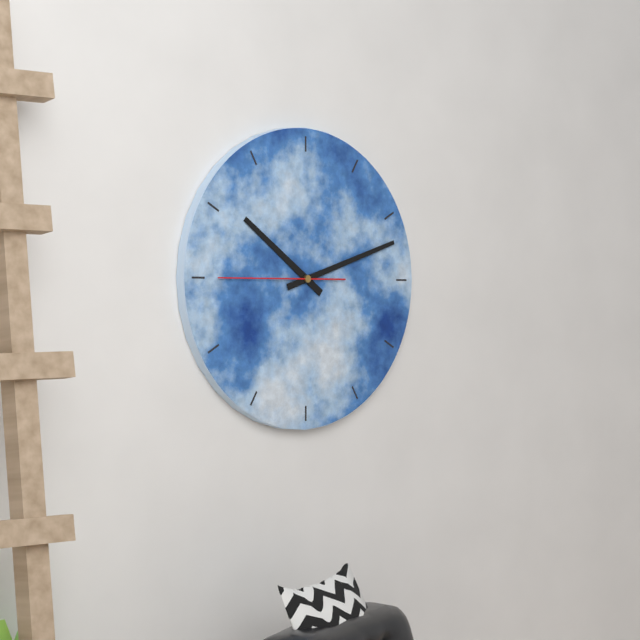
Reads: 10:12:45
